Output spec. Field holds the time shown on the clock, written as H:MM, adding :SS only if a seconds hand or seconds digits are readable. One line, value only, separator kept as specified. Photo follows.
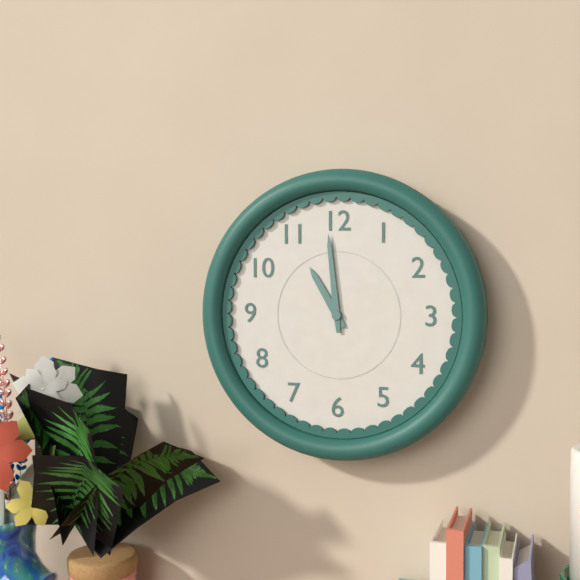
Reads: 10:59
